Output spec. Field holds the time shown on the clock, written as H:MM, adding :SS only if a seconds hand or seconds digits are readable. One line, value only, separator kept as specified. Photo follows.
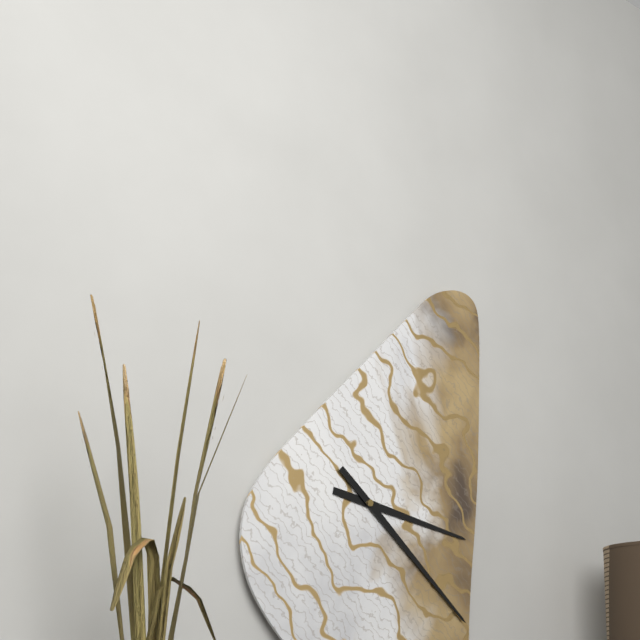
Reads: 3:22
